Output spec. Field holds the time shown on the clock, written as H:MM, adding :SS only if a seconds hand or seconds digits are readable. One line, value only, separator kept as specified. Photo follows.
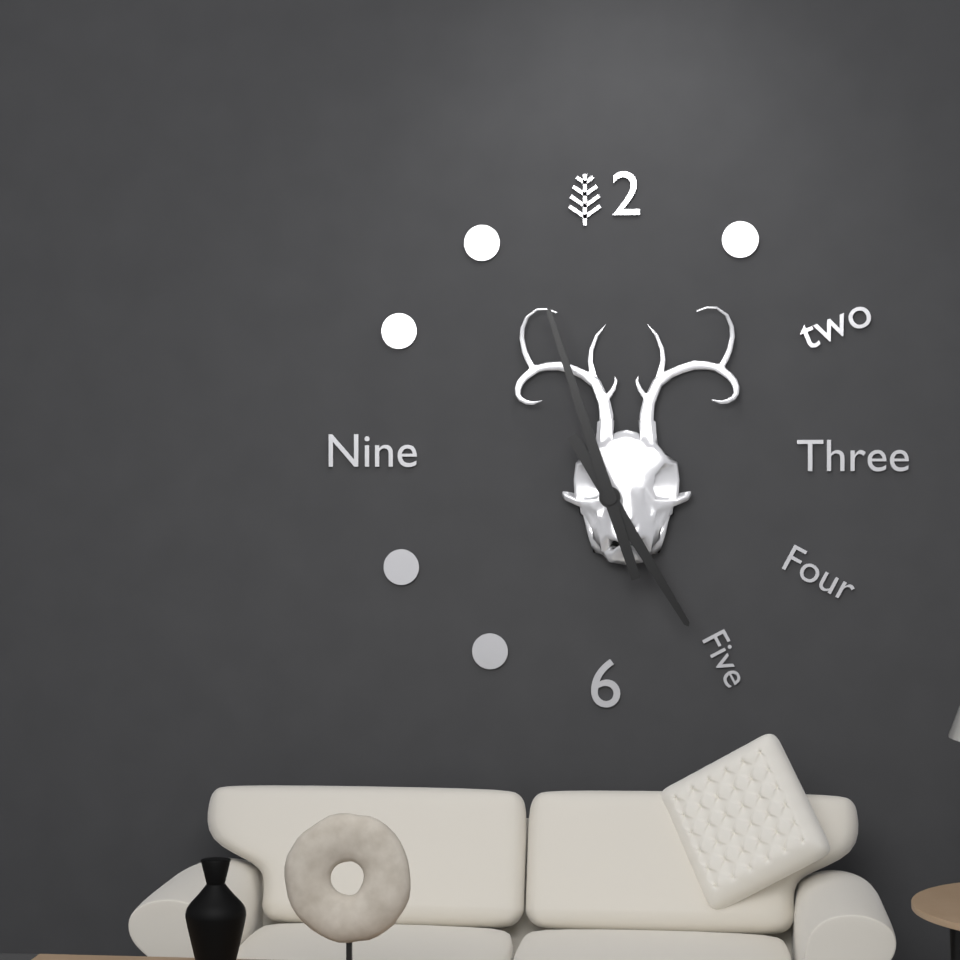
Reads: 4:57
